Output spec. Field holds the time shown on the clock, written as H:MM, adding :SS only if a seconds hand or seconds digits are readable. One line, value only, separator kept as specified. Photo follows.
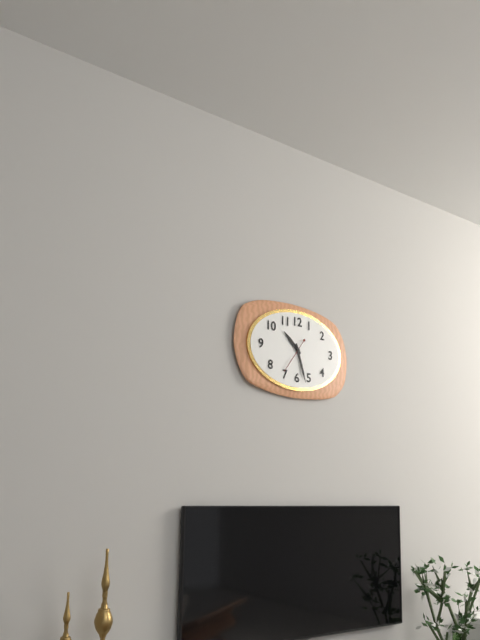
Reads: 10:27
